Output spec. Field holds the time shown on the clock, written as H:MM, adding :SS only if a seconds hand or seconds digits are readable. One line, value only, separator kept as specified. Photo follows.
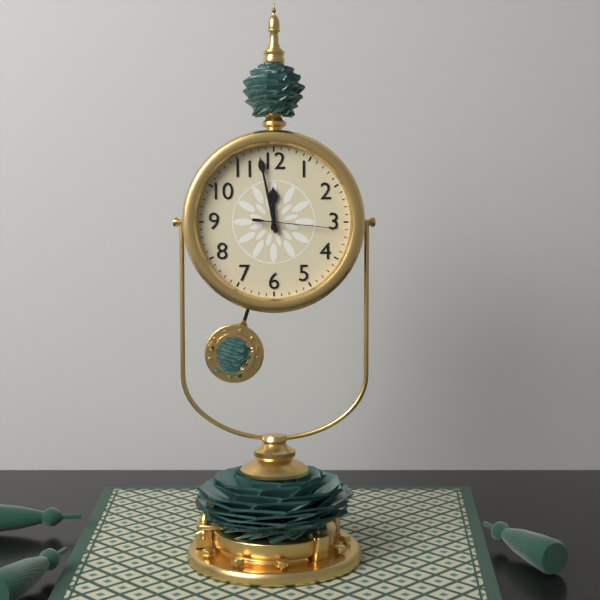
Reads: 11:58:16
